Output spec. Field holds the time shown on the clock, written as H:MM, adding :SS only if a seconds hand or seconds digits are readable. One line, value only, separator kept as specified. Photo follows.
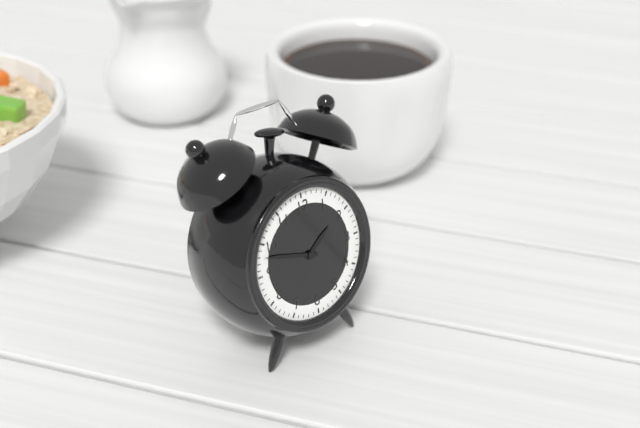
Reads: 1:48
